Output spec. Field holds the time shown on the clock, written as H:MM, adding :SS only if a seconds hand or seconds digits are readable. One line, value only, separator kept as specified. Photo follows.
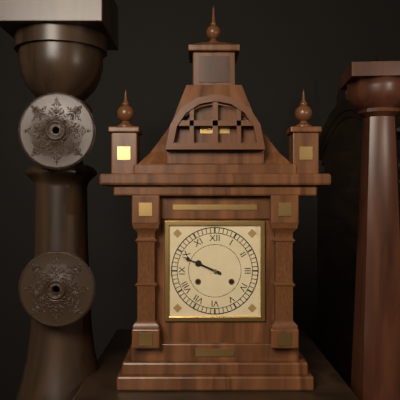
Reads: 9:49
